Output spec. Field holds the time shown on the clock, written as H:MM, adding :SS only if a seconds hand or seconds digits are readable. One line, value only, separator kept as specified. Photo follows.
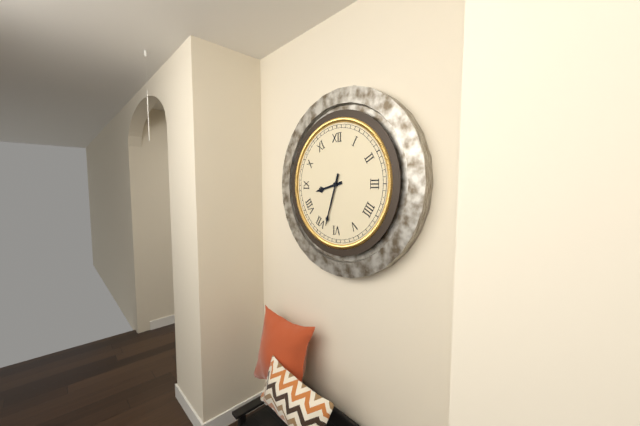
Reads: 8:33
